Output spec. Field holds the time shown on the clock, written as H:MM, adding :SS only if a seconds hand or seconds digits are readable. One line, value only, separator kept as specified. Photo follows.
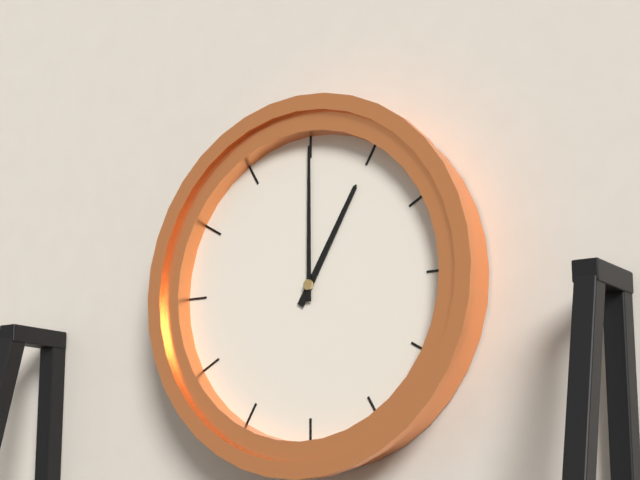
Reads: 1:00
